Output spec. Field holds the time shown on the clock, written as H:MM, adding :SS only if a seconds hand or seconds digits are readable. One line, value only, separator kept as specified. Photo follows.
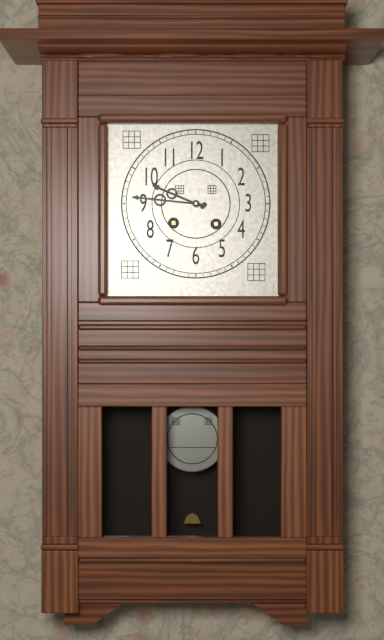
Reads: 9:46
